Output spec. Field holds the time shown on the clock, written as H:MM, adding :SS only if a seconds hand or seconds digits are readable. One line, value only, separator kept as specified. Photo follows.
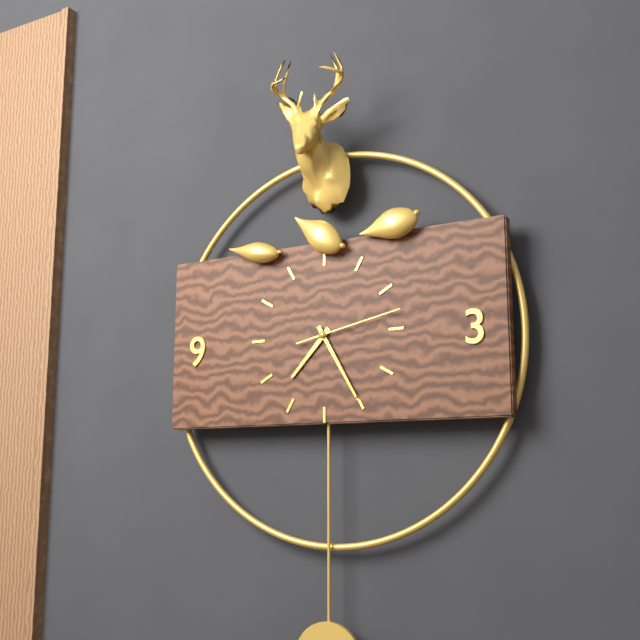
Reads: 7:25:13
